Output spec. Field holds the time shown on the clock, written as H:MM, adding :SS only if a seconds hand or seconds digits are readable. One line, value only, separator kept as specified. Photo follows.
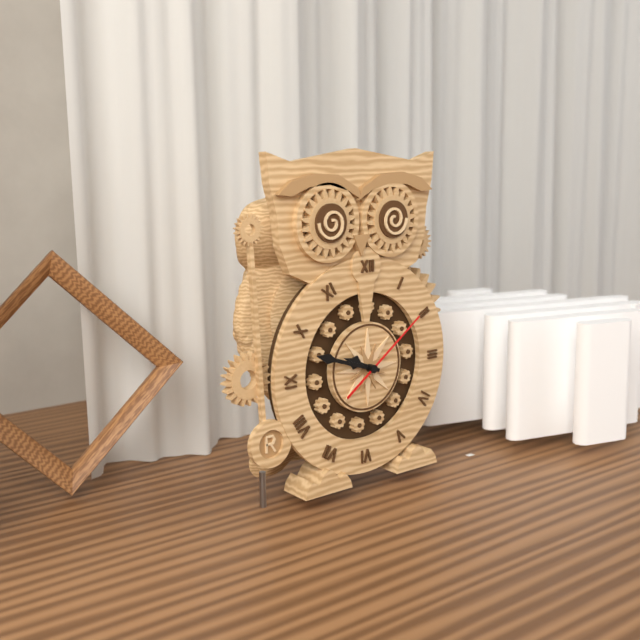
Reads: 9:48:09
